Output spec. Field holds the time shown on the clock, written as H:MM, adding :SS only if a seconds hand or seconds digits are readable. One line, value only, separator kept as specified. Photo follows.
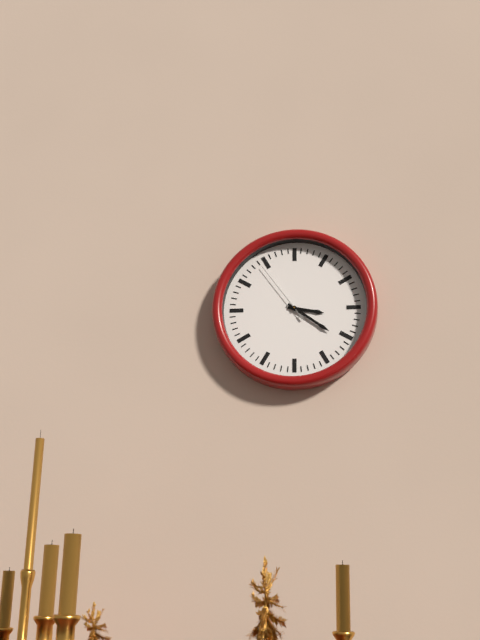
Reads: 3:21:54
